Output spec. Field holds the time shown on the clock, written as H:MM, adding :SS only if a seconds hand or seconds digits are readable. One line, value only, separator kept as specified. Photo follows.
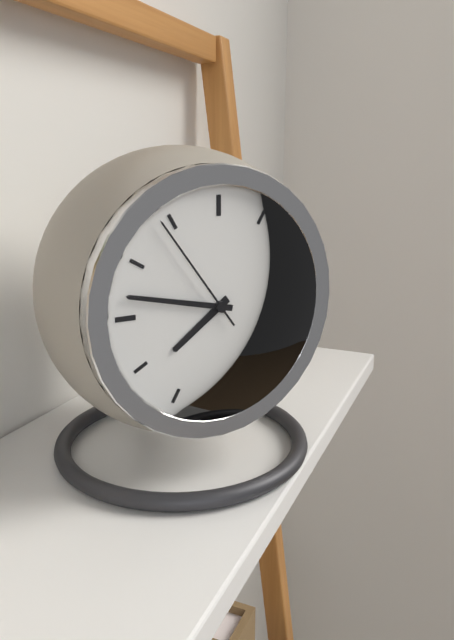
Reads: 7:47:54
